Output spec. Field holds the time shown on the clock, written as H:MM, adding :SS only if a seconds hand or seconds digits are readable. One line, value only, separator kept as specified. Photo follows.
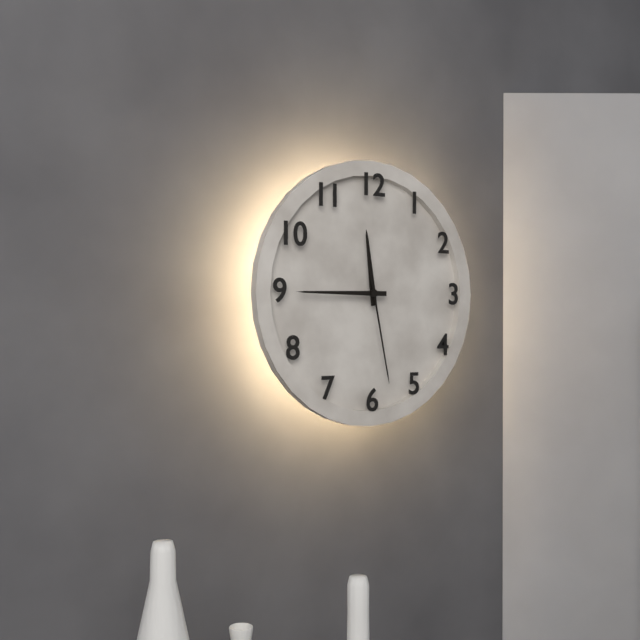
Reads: 11:45:28
